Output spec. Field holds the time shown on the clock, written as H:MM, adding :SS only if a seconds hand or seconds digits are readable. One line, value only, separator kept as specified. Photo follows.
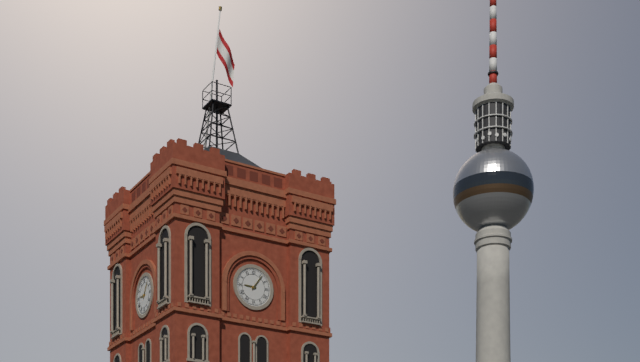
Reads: 9:06
